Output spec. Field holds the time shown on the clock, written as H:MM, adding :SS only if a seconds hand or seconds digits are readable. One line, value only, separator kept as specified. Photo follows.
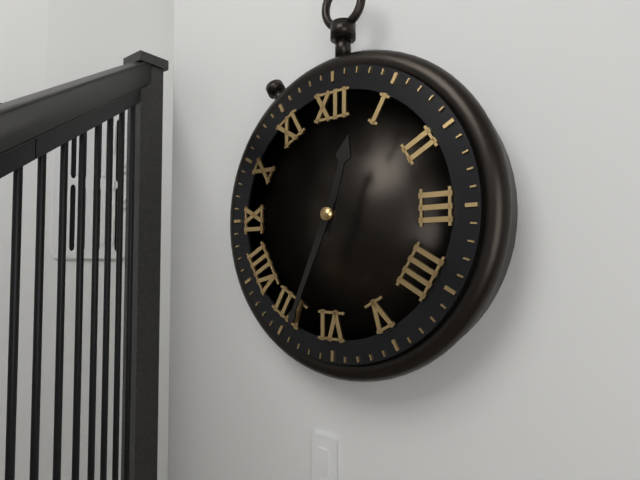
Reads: 12:34
